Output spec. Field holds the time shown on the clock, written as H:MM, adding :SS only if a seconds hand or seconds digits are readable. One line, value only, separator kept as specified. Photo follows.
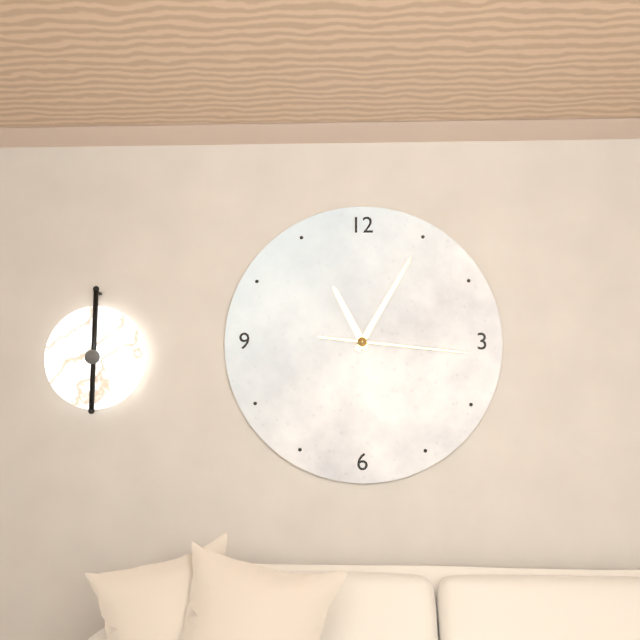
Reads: 11:05:16
